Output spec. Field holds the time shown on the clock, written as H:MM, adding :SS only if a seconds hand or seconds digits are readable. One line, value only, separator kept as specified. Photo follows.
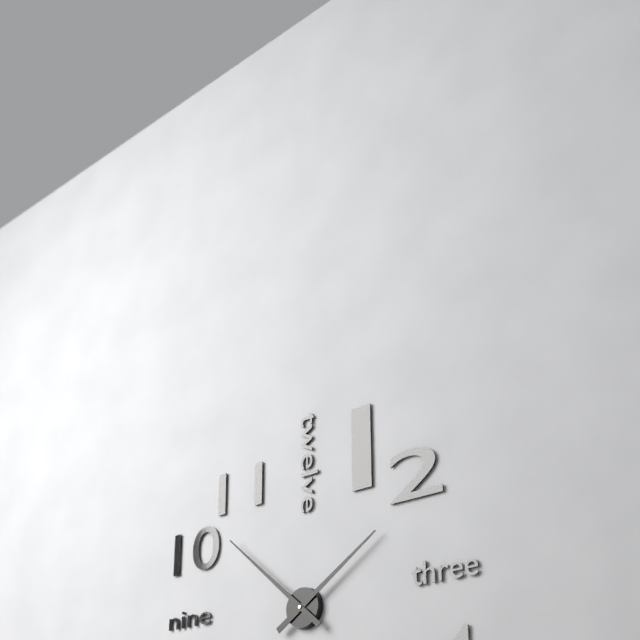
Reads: 1:52
